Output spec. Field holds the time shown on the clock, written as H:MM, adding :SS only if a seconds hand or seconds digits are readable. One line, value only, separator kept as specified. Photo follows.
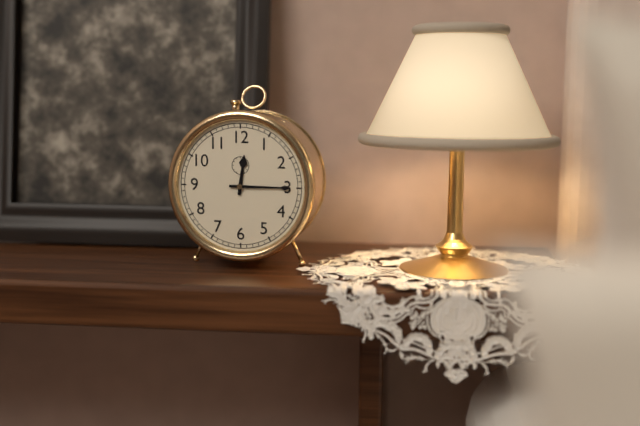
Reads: 12:15
